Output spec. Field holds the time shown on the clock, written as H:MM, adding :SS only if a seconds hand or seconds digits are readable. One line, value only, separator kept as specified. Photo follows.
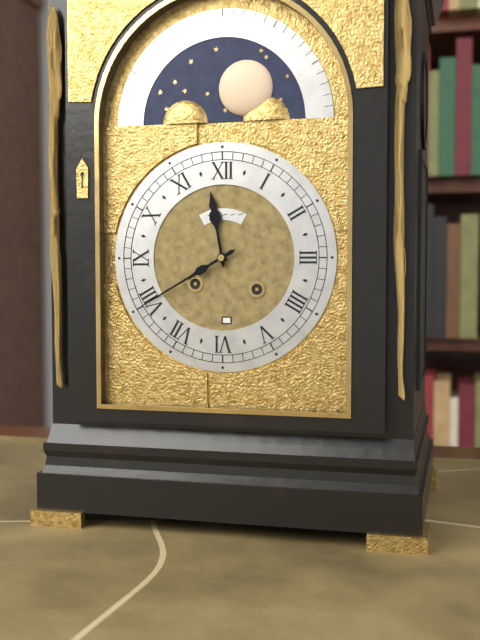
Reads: 11:40
